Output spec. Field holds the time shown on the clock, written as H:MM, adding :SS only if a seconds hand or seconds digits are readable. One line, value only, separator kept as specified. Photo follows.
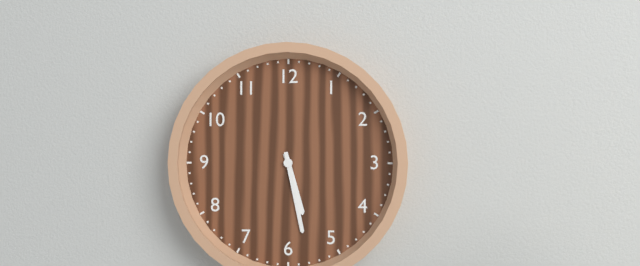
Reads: 5:28
